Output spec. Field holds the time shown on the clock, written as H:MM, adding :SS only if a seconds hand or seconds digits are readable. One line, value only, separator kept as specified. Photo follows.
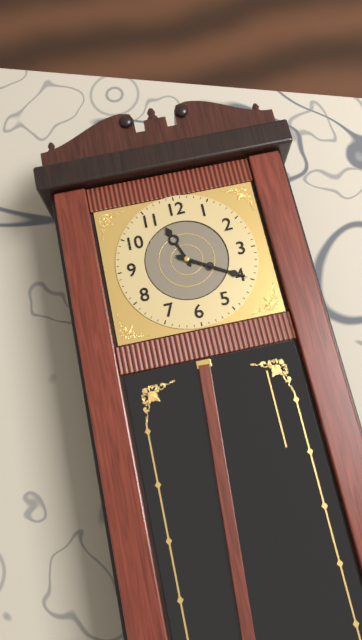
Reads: 11:20
